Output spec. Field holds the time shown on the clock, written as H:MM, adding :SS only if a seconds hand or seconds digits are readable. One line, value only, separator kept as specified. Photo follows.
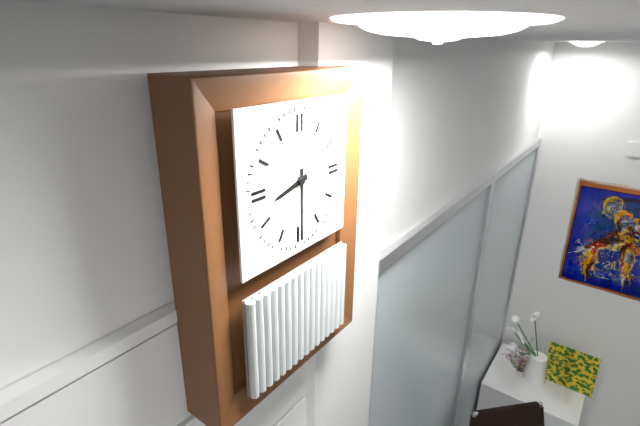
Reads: 8:30
